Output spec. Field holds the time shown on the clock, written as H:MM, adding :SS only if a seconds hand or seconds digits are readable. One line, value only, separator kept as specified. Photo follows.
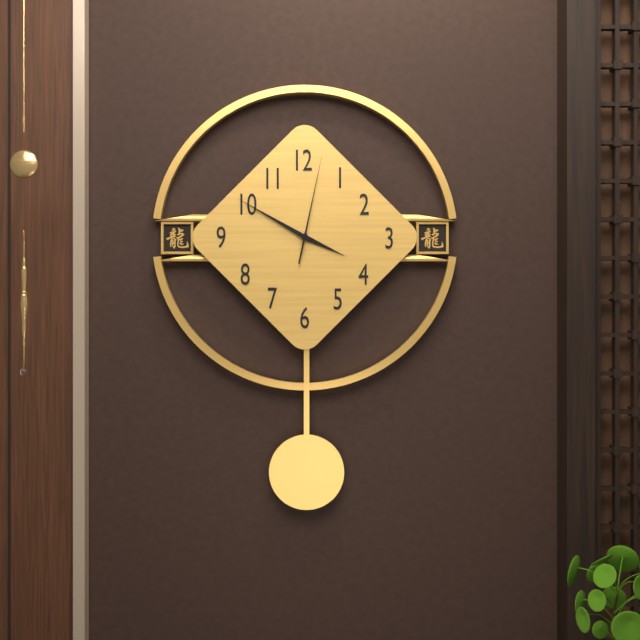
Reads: 3:50:02
